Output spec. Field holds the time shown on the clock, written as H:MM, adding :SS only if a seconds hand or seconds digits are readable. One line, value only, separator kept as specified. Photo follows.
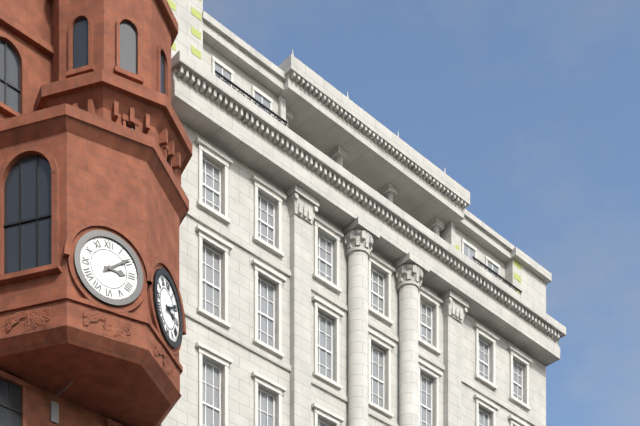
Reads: 3:09
